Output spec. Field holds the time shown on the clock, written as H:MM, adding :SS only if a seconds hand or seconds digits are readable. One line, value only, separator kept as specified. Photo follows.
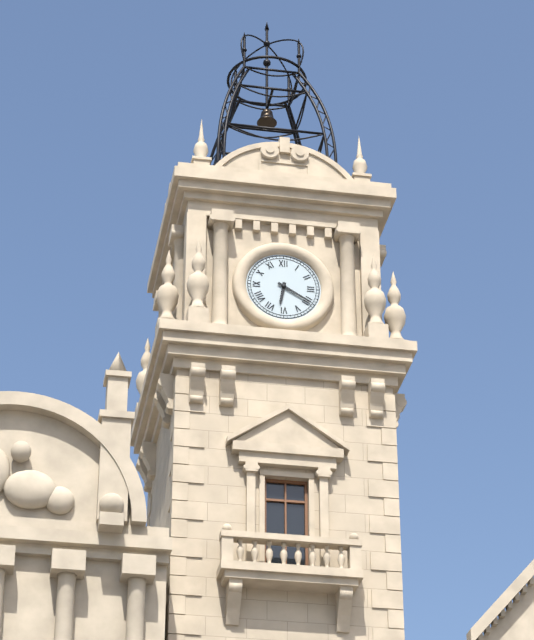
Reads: 6:20
